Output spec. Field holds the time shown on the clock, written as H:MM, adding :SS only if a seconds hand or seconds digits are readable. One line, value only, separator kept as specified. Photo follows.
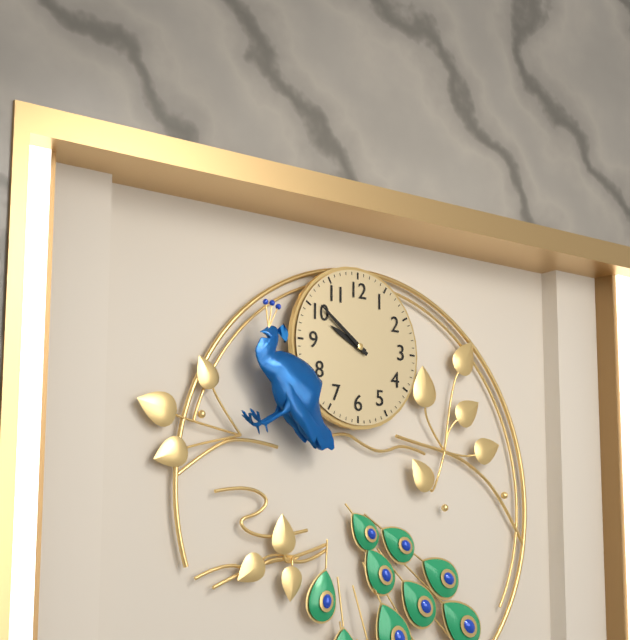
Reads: 9:51
